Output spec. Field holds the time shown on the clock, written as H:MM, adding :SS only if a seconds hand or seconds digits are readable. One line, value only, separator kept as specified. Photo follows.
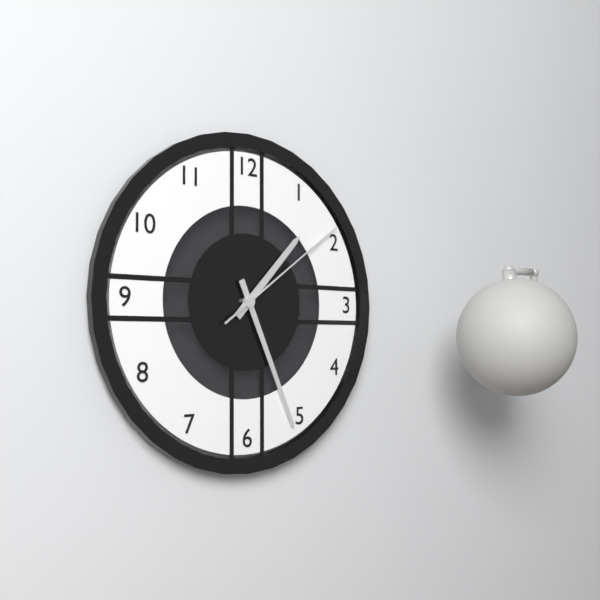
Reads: 1:26:09
